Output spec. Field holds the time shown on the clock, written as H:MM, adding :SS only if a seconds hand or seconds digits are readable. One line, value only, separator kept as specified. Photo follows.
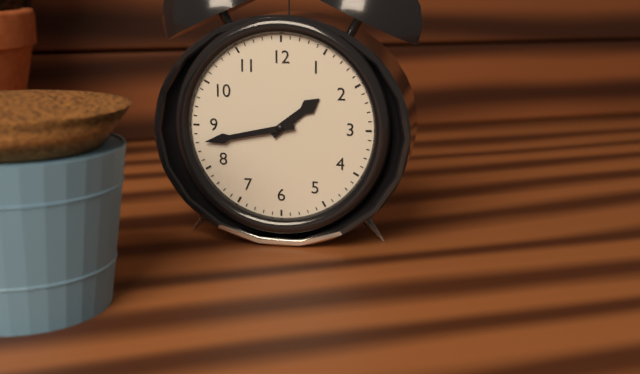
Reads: 1:43
